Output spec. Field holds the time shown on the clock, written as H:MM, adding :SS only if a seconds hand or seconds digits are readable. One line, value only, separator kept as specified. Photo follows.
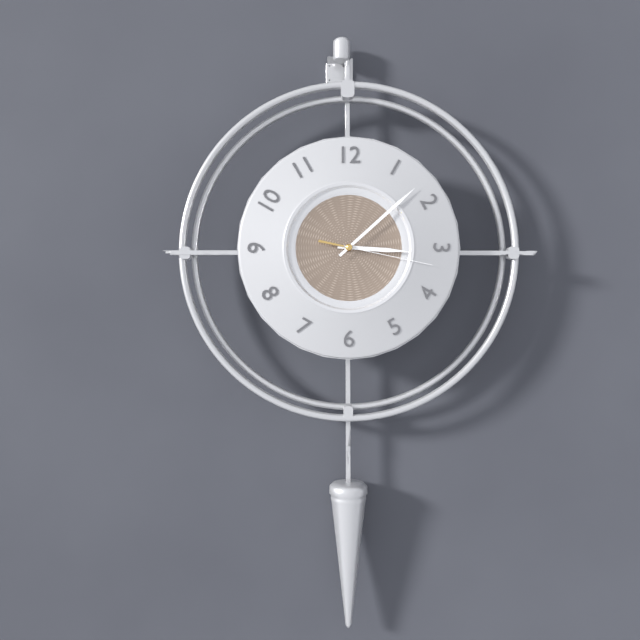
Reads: 3:08:17
